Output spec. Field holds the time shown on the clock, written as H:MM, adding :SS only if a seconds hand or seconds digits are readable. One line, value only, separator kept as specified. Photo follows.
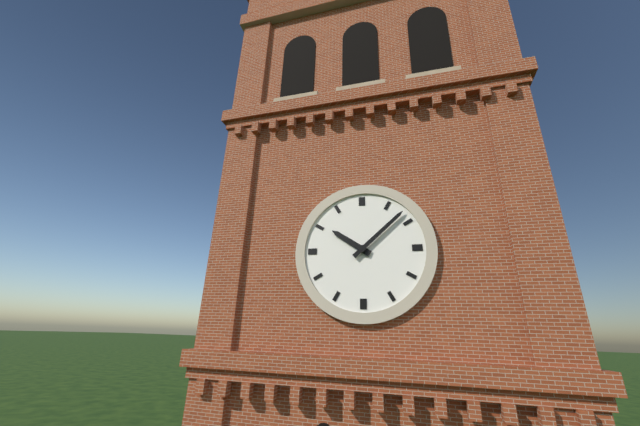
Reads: 10:08
